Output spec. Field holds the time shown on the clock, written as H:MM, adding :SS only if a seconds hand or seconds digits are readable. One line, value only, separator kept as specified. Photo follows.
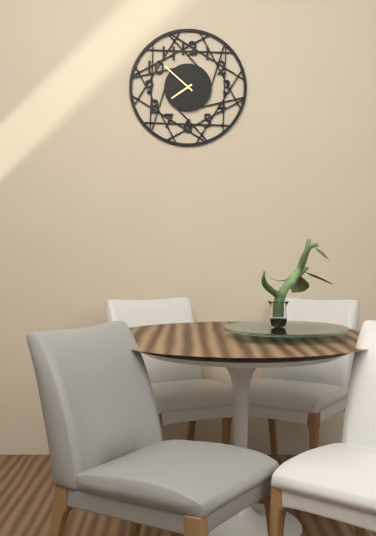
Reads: 7:52
